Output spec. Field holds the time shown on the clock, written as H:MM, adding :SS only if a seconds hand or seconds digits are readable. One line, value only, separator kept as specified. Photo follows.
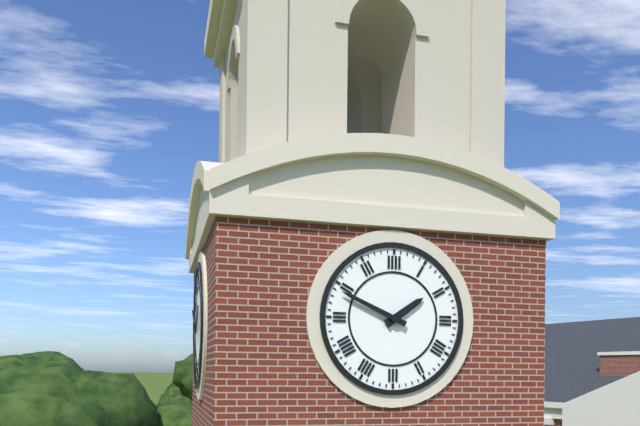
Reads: 1:49
